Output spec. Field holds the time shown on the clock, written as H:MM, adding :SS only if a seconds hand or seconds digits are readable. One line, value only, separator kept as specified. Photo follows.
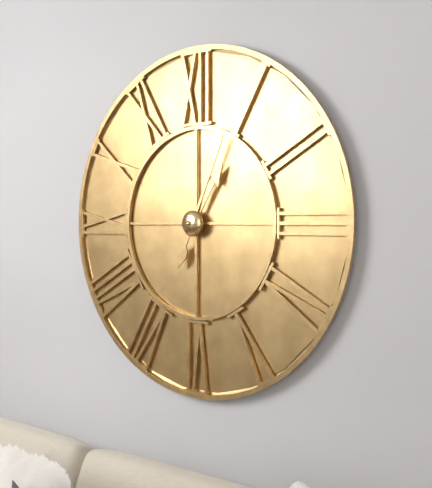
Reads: 1:04
